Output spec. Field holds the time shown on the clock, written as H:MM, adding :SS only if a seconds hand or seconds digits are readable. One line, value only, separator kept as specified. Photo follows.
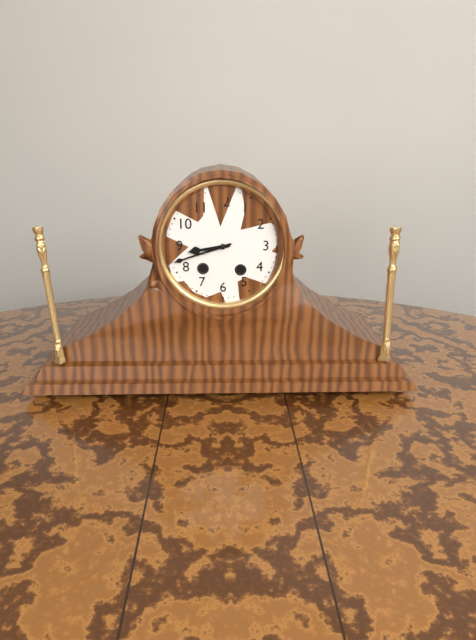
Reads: 8:42
